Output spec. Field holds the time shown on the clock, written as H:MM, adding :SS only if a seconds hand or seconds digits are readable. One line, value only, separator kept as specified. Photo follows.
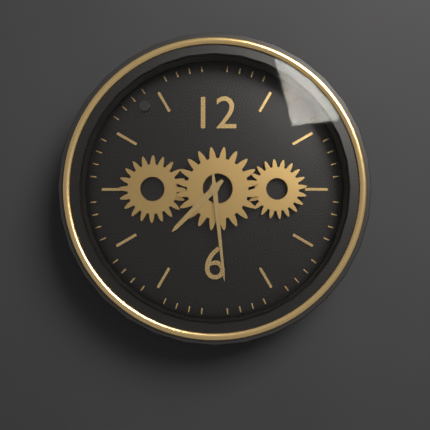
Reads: 7:29
